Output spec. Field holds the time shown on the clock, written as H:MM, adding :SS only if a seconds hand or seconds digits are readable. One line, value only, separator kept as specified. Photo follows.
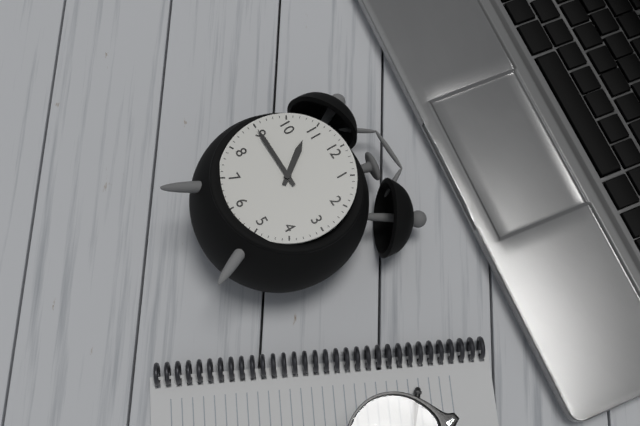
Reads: 10:45
